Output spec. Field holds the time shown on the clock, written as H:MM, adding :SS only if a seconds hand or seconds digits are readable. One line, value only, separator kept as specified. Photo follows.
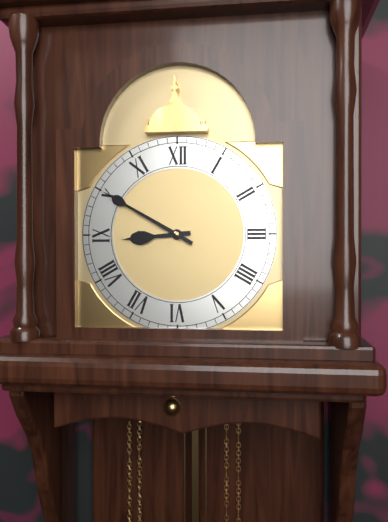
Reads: 8:50
